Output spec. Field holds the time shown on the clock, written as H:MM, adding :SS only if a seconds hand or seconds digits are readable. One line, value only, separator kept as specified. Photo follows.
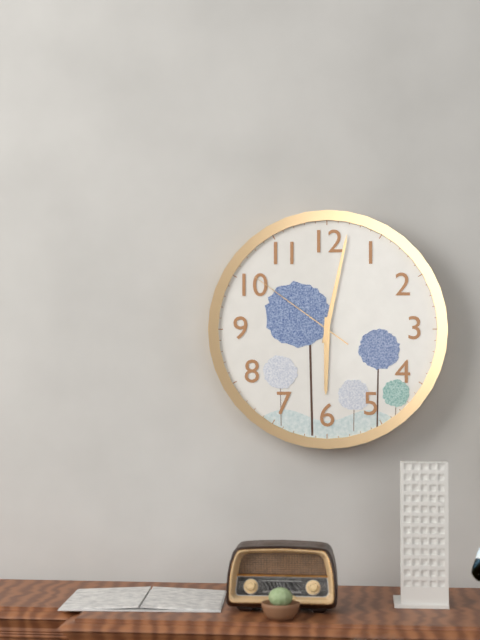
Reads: 6:02:51
